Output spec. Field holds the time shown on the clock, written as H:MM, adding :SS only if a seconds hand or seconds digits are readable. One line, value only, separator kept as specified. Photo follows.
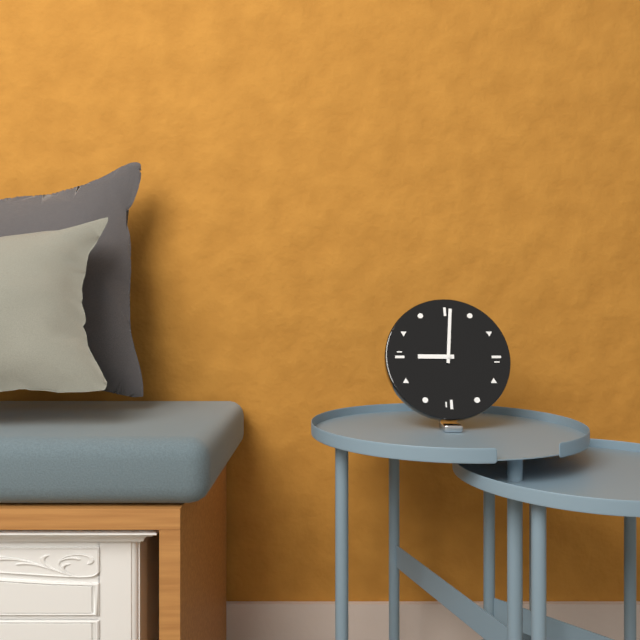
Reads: 9:01
